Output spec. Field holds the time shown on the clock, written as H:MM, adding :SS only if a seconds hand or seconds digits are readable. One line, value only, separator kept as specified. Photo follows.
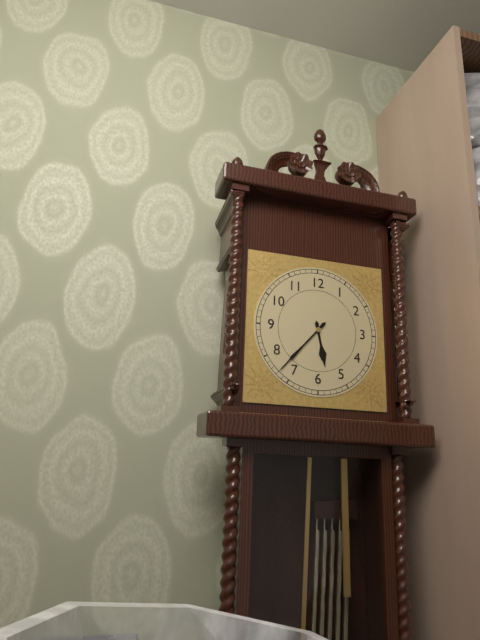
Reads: 5:37
